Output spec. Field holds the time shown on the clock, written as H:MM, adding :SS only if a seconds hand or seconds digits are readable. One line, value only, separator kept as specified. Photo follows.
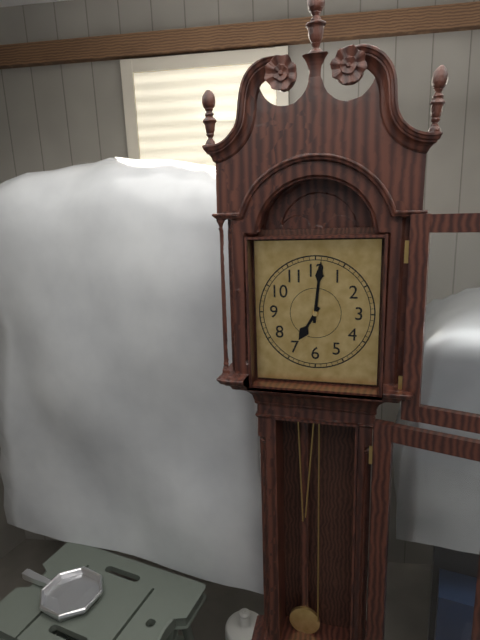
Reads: 7:01
